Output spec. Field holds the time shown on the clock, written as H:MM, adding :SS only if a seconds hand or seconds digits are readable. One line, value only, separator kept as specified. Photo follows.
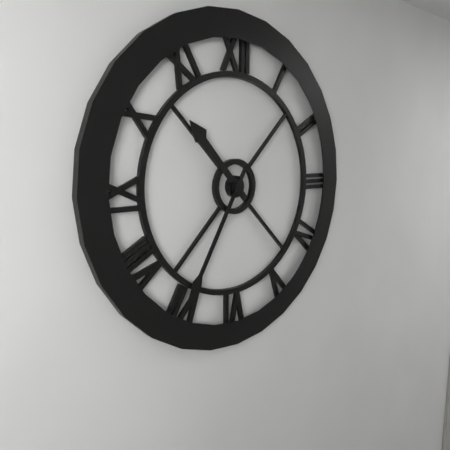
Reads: 10:35
